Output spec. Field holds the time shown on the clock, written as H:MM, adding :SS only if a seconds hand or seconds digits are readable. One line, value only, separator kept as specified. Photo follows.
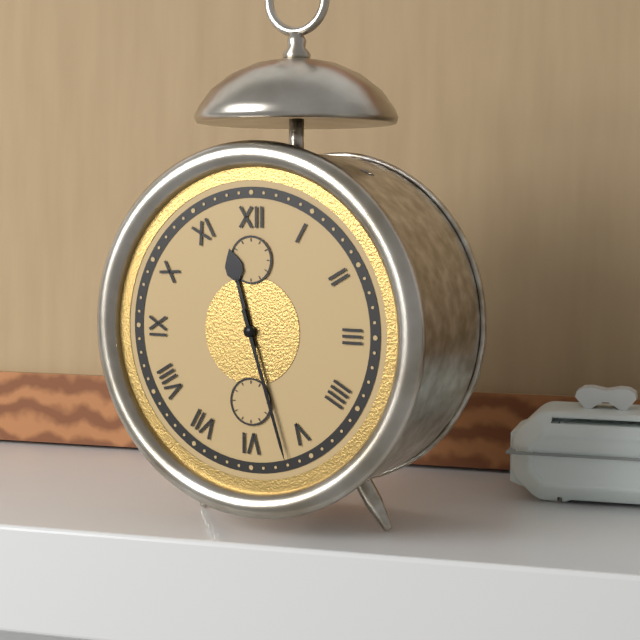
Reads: 11:27
